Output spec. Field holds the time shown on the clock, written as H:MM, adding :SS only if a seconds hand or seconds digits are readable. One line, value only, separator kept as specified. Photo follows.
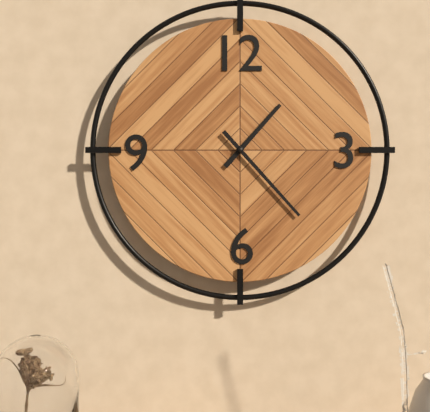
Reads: 1:23
